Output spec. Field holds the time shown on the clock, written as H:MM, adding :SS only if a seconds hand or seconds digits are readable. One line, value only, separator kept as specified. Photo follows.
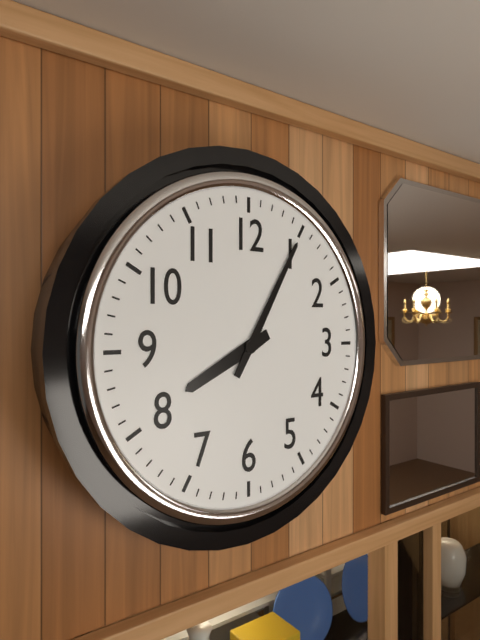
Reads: 8:05
